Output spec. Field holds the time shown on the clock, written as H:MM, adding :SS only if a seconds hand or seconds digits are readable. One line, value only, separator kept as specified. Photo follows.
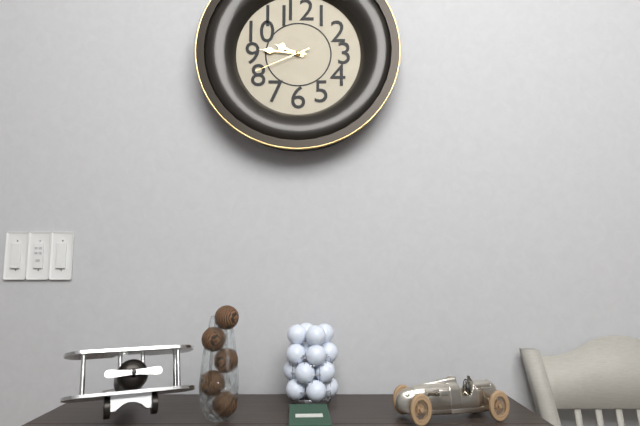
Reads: 9:46:41
